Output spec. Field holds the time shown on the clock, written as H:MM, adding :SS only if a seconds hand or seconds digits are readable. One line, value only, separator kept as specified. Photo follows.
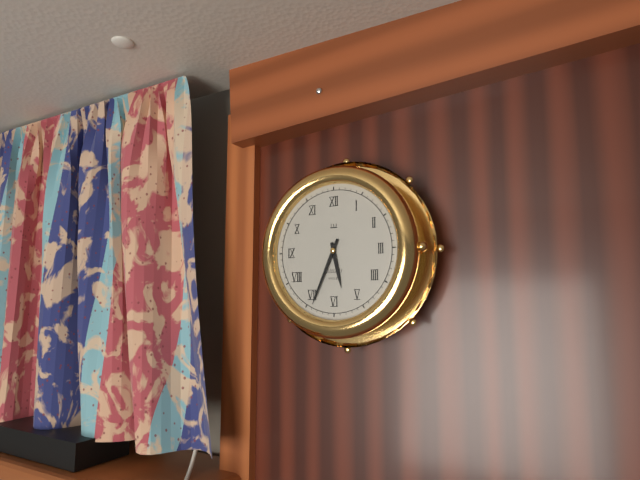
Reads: 5:34
